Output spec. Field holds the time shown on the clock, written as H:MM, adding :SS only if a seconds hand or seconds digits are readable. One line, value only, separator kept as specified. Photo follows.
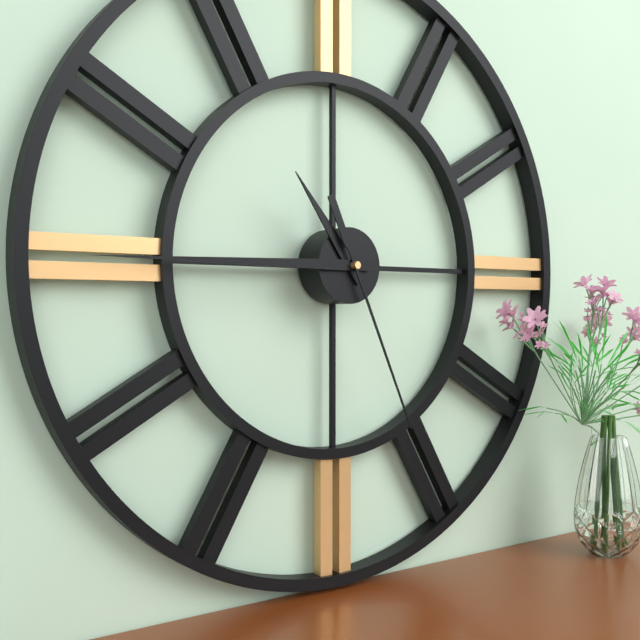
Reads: 10:45:26
